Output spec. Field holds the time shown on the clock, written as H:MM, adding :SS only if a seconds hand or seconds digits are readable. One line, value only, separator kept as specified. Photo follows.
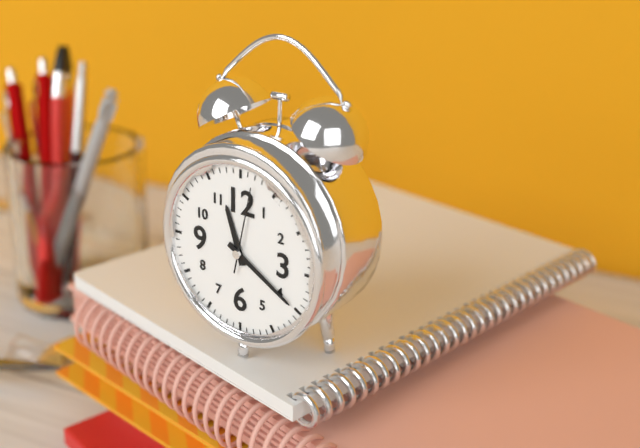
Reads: 11:20:02
